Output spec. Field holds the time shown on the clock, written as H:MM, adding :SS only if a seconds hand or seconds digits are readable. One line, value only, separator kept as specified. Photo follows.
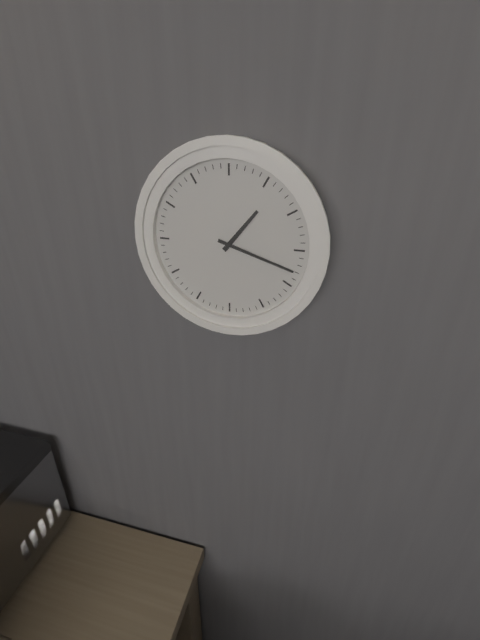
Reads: 1:18
